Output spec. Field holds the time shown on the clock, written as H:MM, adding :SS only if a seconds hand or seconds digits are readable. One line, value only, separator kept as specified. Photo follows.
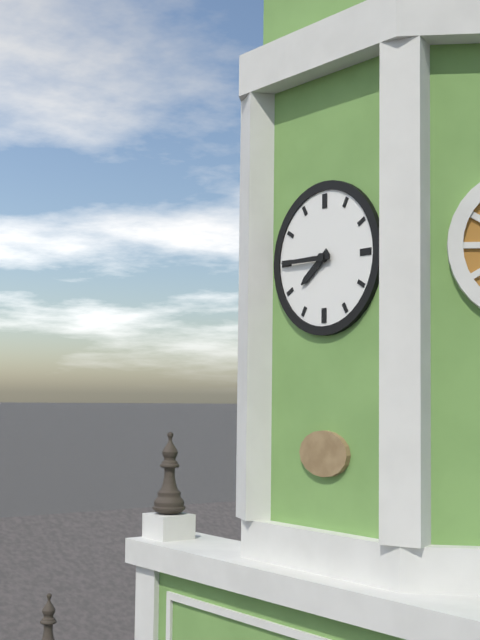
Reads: 7:45
